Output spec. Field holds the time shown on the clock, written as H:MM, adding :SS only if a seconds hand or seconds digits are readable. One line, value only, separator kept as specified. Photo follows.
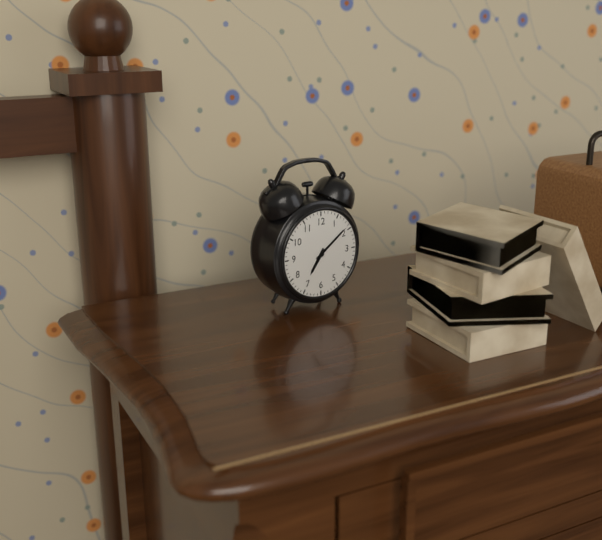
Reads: 7:09
